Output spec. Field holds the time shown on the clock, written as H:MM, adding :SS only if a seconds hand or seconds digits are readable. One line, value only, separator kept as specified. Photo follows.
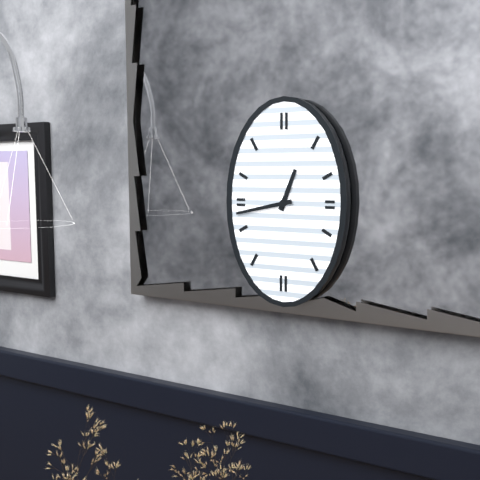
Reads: 12:43
